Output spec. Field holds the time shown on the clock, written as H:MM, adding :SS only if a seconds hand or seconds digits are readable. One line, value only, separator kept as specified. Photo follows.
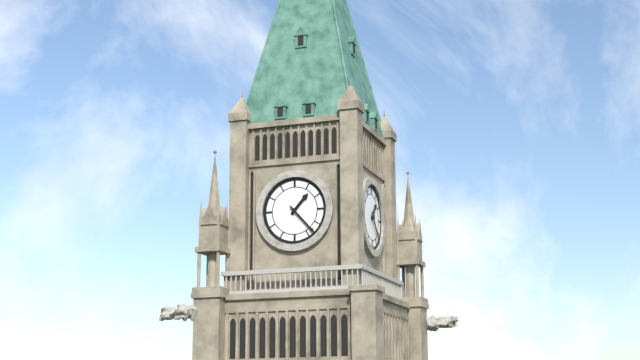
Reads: 1:23
